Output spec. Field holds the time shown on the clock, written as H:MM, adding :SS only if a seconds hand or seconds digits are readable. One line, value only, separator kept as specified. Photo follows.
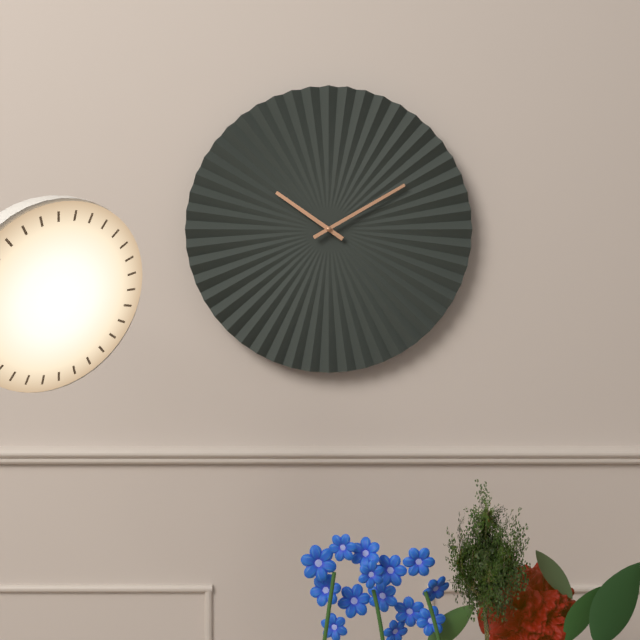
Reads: 10:10
